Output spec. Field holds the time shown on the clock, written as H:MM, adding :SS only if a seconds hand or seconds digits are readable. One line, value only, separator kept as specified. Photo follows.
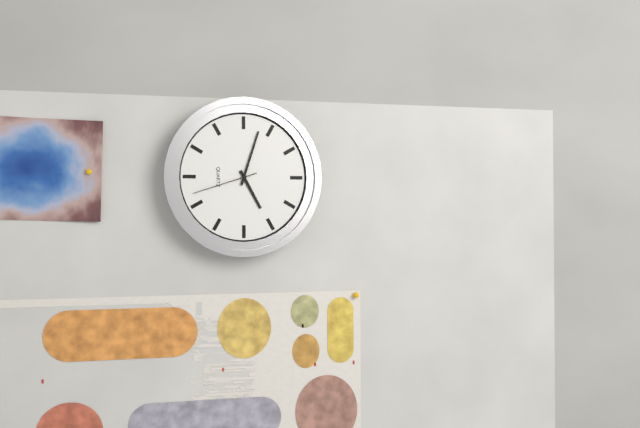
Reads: 5:03:42
